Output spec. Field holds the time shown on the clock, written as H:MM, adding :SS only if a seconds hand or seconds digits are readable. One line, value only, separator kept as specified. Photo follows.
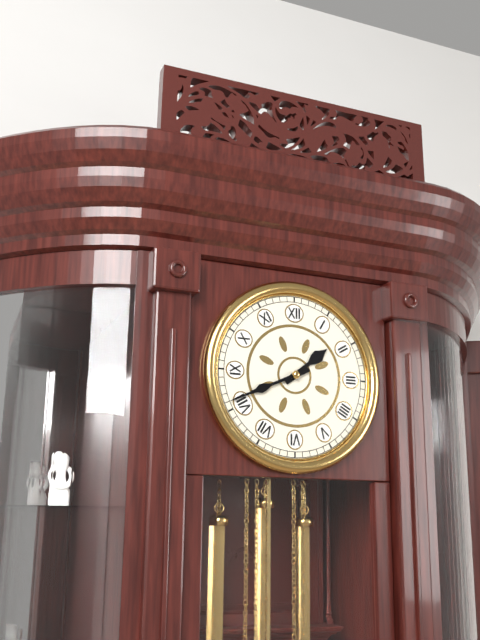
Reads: 1:41
